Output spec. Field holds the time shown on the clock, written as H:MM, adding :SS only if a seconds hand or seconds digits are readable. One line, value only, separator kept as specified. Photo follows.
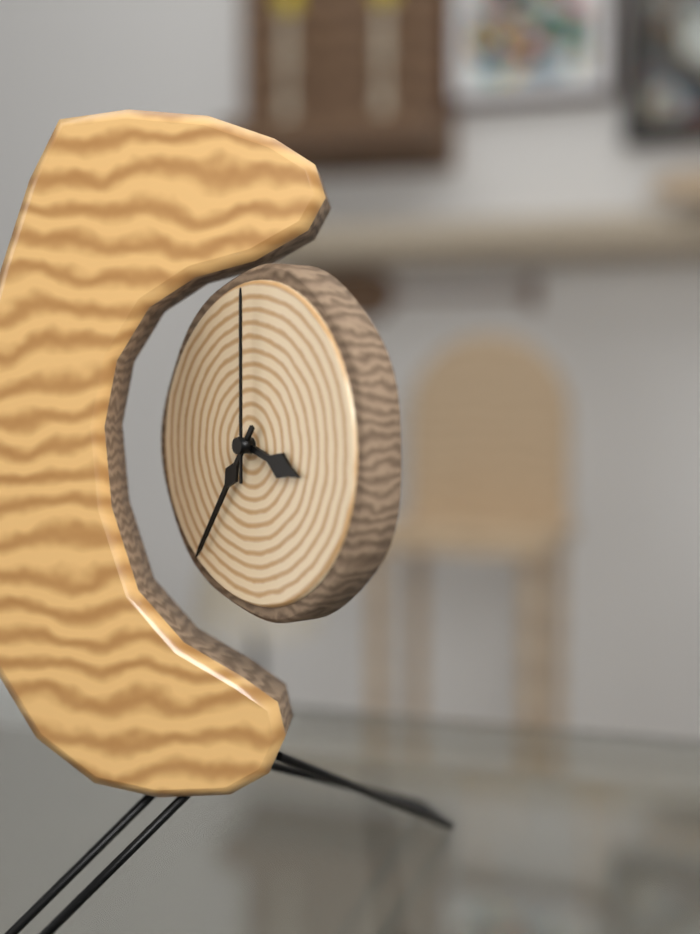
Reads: 3:36:00
